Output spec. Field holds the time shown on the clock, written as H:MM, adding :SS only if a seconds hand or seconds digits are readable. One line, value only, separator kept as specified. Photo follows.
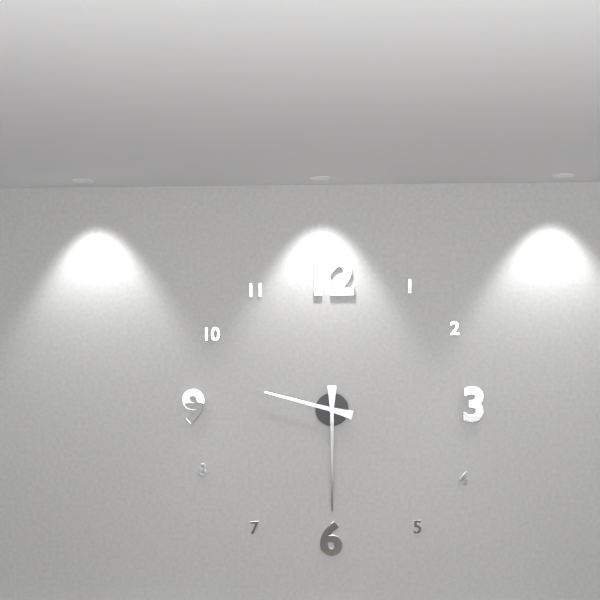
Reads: 9:30
